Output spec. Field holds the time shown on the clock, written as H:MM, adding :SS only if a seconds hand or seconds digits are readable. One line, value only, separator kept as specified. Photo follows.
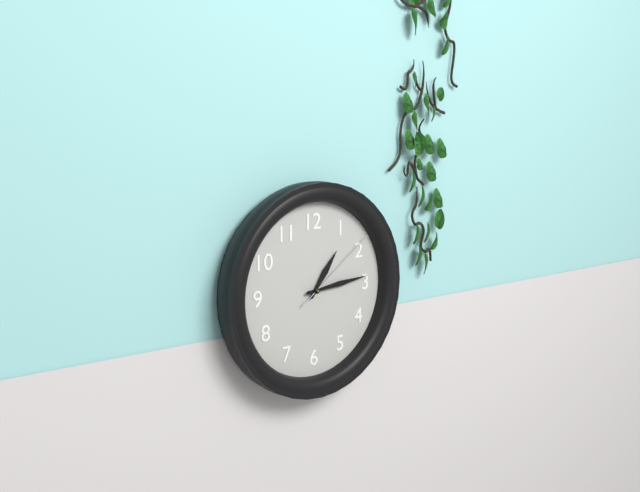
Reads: 1:14:09
